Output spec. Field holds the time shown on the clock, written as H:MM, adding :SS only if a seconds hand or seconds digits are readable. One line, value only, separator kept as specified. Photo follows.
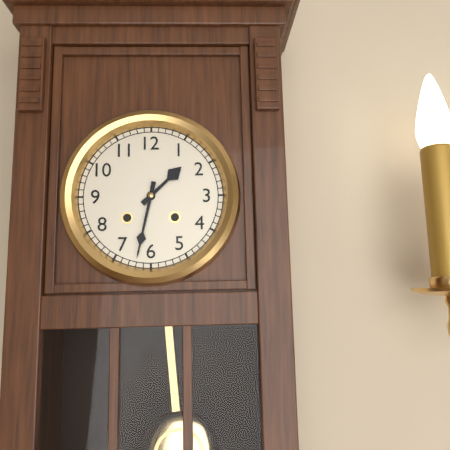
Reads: 1:32
